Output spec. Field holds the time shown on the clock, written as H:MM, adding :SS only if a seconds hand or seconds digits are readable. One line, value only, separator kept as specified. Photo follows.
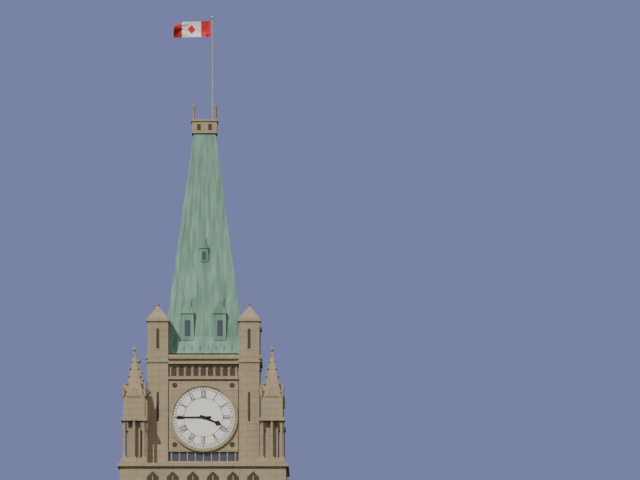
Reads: 3:45
